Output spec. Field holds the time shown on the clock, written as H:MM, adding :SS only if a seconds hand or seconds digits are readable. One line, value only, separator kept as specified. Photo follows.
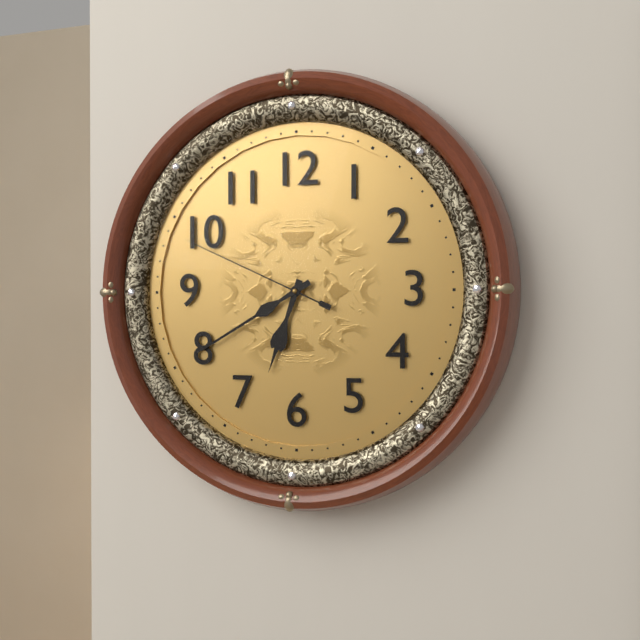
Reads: 6:40:49
